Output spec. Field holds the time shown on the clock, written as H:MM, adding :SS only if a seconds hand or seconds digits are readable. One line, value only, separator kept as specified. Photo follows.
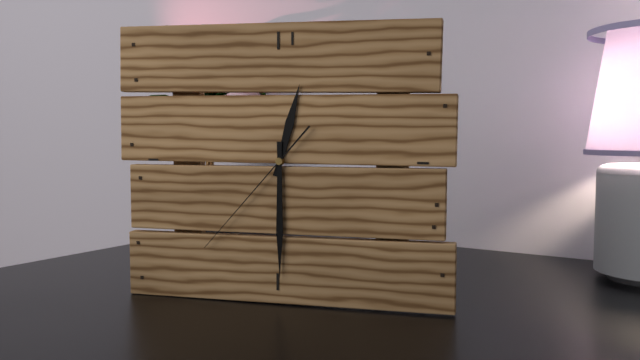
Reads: 12:30:37
